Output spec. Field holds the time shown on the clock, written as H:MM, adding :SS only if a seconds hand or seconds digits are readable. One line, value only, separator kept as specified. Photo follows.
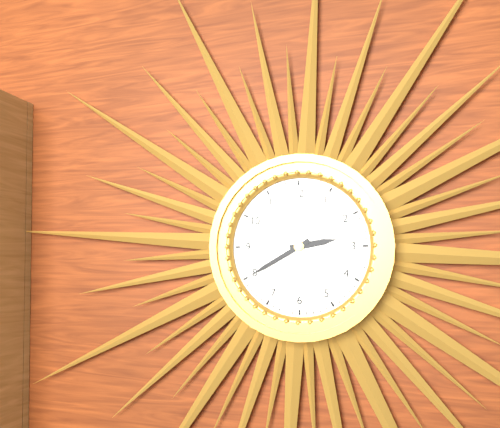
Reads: 2:40
